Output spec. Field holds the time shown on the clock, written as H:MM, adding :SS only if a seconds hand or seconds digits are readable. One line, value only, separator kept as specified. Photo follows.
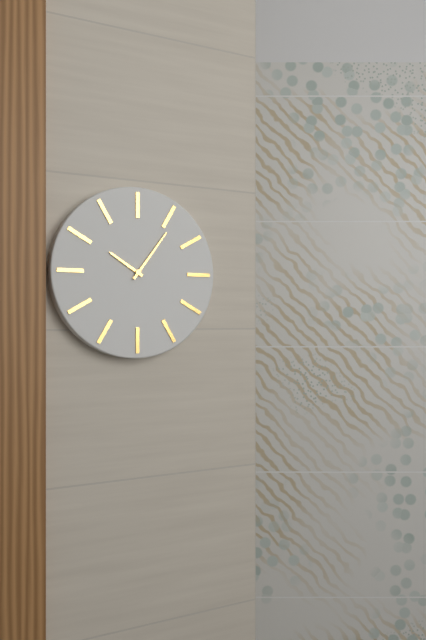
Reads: 10:06
